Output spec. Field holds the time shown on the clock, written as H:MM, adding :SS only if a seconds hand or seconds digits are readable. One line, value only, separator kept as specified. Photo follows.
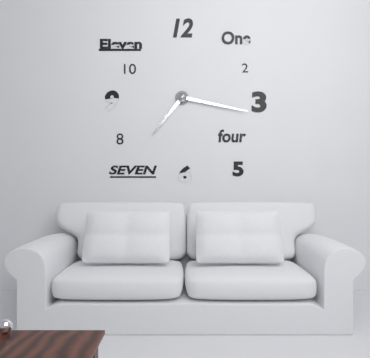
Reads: 7:17
